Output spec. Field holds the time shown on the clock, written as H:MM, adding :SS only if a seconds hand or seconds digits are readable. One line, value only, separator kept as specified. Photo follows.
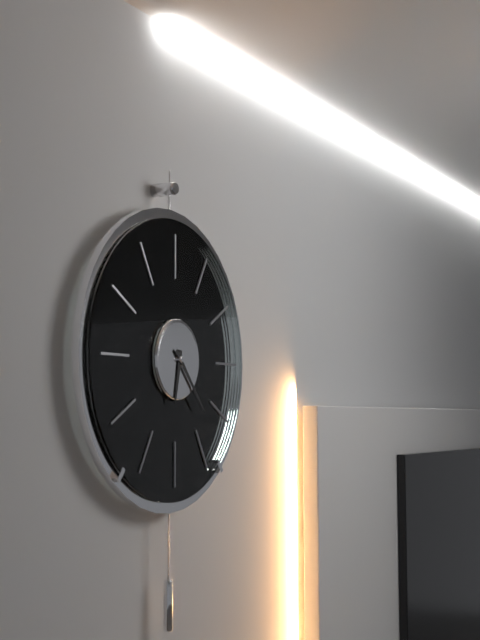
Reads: 6:23
